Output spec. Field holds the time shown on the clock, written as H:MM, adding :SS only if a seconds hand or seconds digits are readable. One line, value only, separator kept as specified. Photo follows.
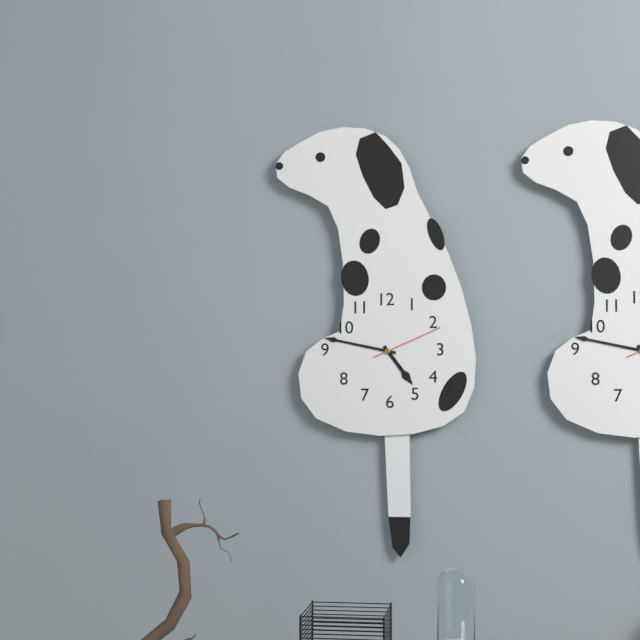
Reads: 4:47:11
